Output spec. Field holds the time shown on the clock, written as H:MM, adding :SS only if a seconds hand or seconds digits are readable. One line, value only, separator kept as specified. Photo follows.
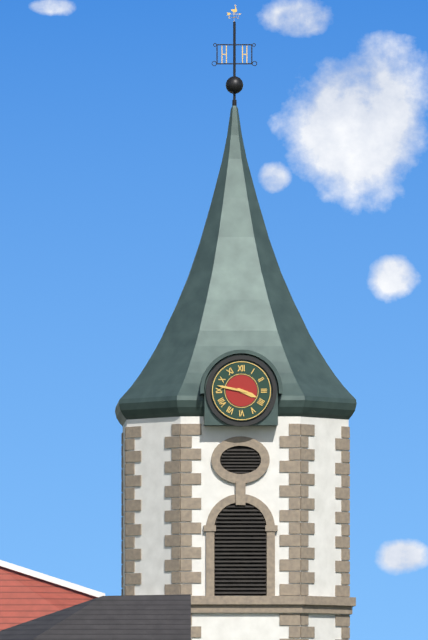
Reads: 3:47
